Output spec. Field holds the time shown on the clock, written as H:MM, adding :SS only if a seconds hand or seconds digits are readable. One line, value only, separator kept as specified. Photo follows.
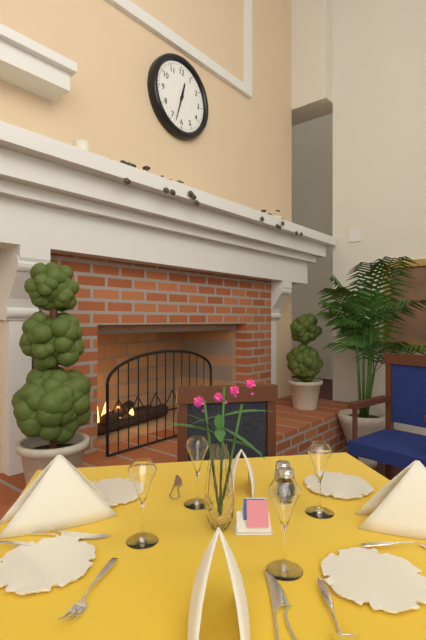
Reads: 12:33
